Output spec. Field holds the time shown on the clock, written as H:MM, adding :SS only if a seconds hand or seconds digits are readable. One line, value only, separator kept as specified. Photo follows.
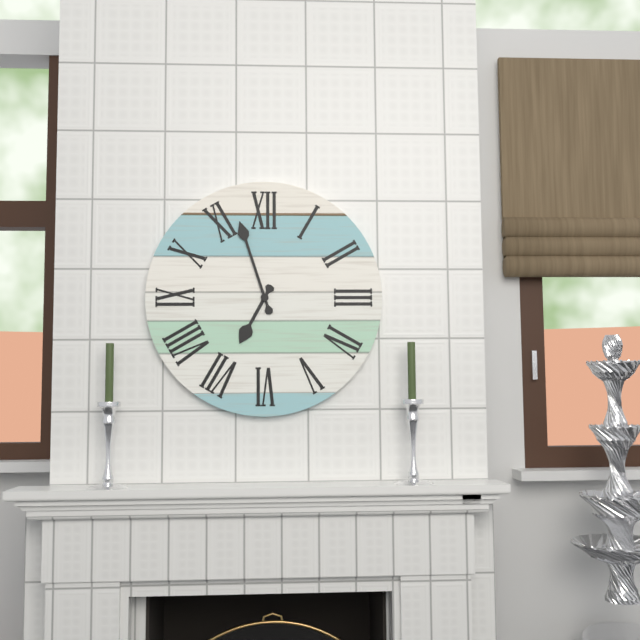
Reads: 6:57
